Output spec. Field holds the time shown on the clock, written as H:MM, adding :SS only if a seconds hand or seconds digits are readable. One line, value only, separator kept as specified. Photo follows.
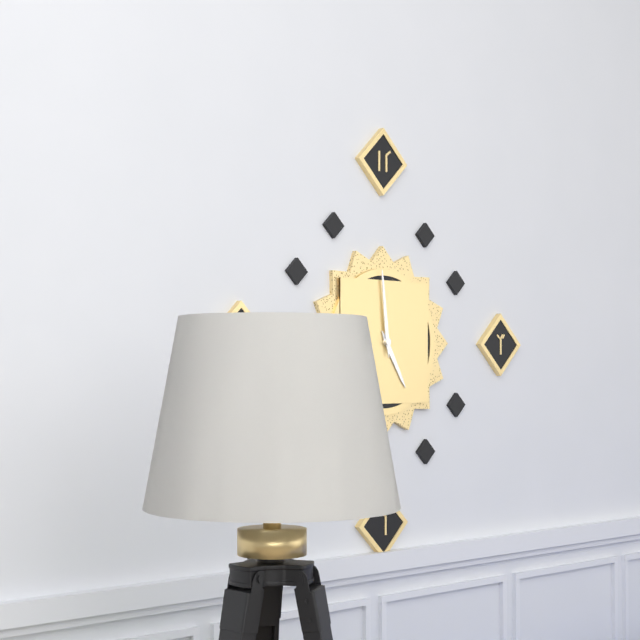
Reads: 4:59
